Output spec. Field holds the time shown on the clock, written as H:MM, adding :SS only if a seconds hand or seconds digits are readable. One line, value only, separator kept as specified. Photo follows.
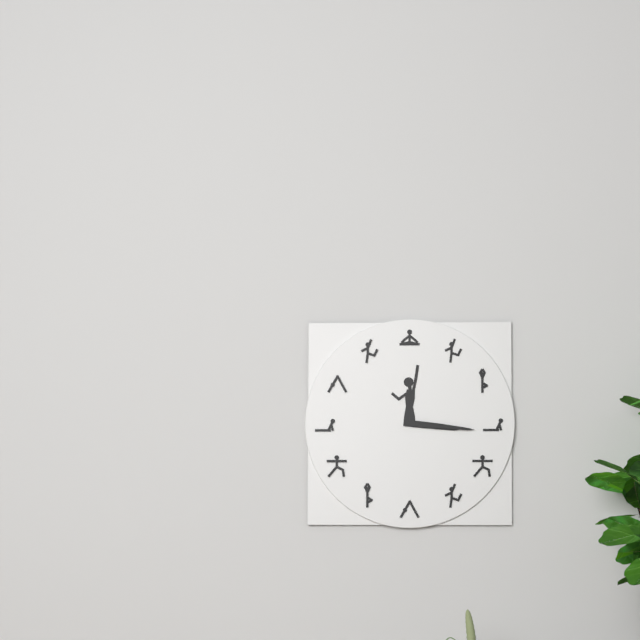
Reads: 3:16
